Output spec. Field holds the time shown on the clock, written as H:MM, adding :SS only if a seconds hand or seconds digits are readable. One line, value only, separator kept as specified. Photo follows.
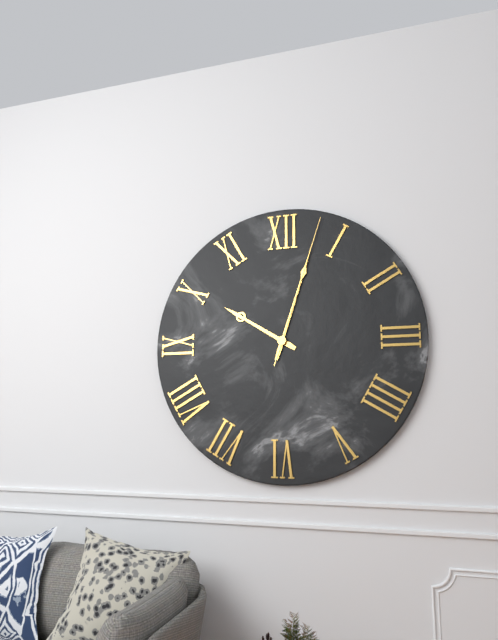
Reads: 10:03:03
